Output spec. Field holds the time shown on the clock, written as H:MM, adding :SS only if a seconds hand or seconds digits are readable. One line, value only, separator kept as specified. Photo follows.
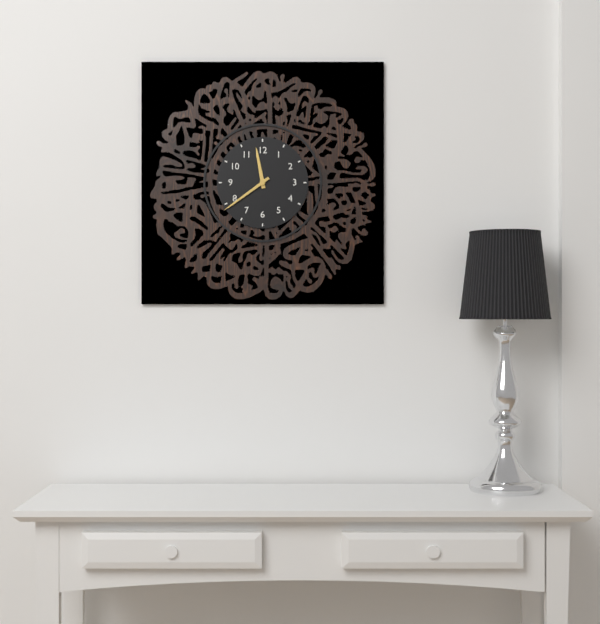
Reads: 11:39
